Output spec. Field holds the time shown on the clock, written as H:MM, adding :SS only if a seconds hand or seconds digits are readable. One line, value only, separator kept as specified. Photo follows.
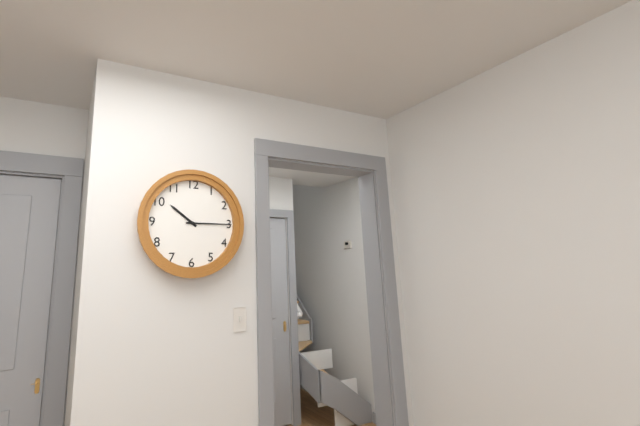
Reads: 10:15
